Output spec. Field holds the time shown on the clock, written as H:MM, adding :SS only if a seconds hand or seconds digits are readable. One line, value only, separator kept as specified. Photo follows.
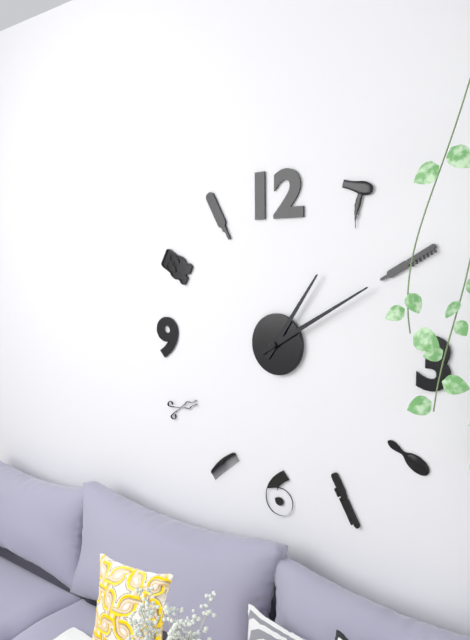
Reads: 1:10
